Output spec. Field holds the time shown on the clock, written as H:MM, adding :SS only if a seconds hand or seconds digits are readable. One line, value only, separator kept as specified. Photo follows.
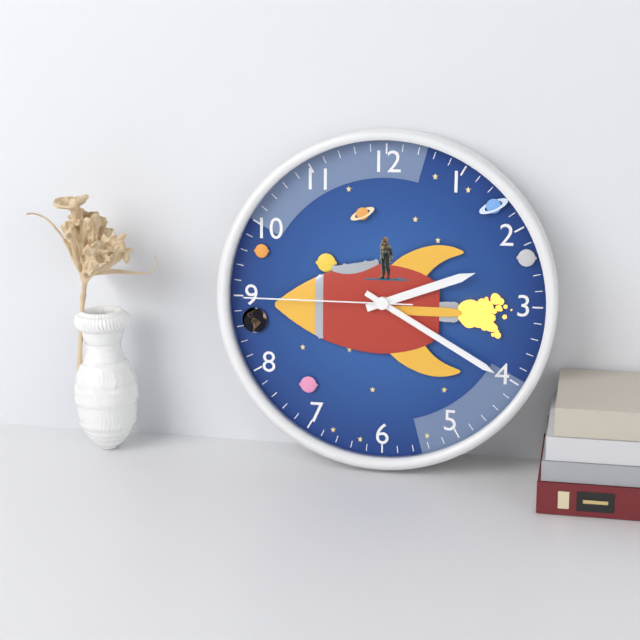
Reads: 2:20:45
